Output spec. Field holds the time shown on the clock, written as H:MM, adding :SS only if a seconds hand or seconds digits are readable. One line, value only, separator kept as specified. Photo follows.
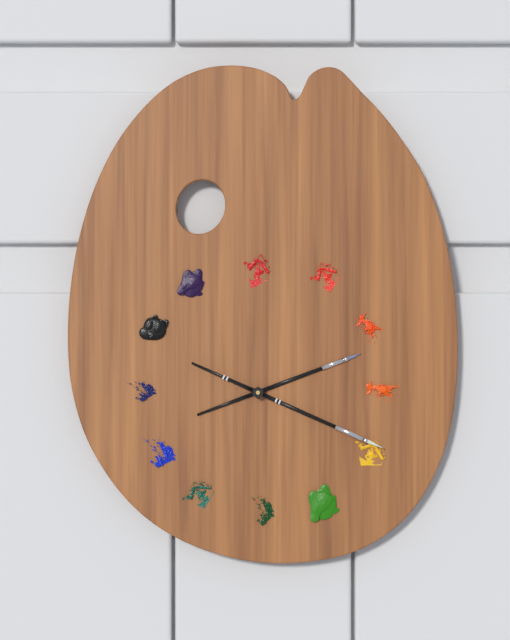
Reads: 2:19
